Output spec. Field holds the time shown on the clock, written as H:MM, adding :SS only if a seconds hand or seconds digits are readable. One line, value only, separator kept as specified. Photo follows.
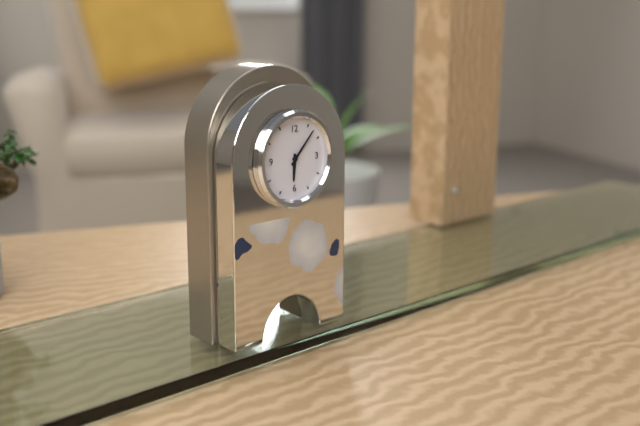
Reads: 6:07
